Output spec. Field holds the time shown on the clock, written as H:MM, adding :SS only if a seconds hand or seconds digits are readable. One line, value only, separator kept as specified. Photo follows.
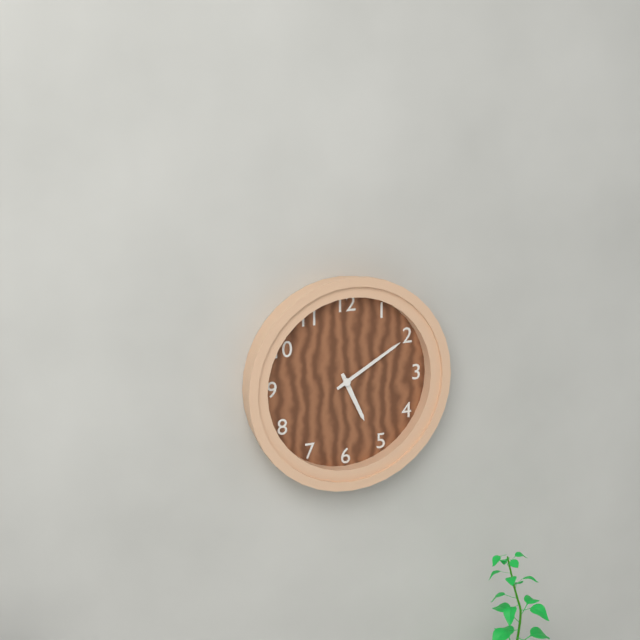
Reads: 5:10
